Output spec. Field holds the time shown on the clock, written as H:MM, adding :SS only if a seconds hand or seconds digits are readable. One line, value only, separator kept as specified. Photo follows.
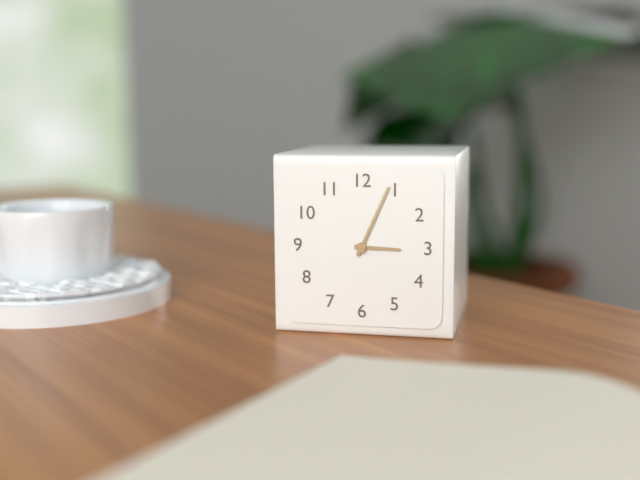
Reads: 3:04
